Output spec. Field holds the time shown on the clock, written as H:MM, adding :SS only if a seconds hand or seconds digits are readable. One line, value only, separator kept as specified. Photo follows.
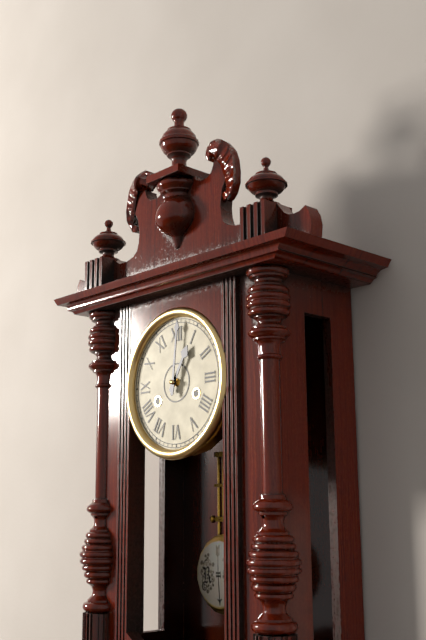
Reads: 1:01
